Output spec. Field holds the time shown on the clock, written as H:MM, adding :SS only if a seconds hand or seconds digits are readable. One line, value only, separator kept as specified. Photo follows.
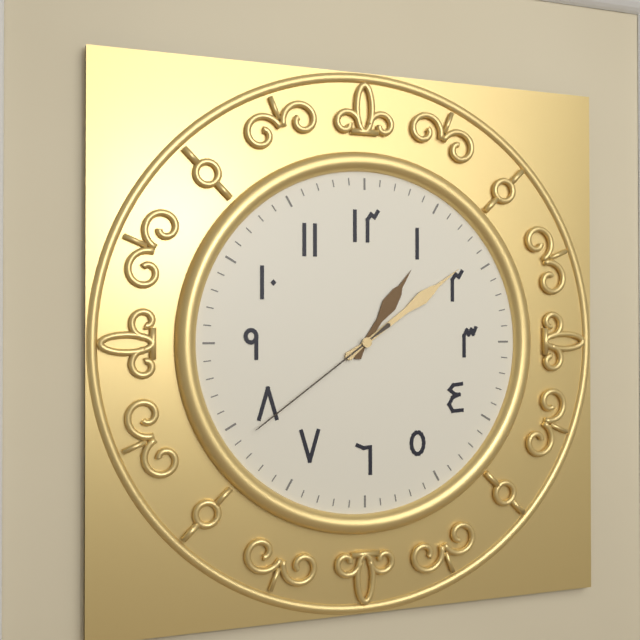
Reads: 1:09:39
